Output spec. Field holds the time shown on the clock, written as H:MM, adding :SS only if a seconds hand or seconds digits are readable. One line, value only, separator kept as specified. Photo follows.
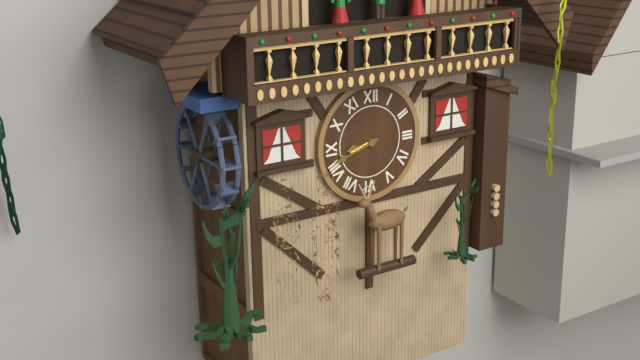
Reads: 8:42
